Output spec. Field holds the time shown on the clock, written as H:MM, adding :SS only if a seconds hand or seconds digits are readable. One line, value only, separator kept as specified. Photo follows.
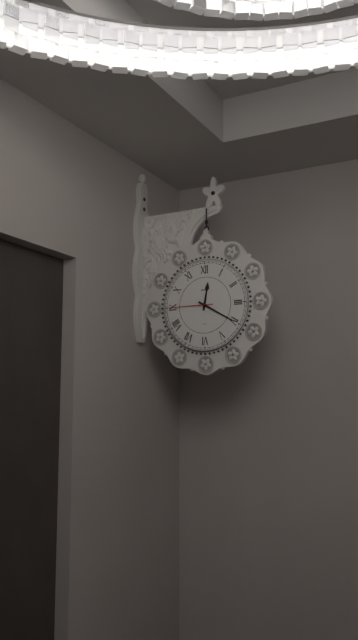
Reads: 12:20
